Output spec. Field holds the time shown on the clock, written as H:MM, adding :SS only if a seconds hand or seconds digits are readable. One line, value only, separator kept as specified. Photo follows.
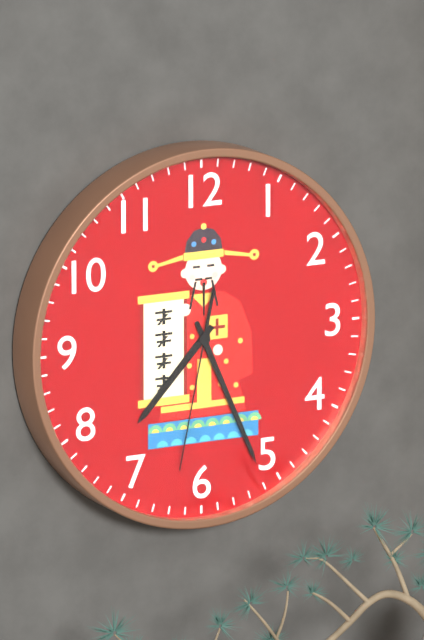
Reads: 7:26:32
